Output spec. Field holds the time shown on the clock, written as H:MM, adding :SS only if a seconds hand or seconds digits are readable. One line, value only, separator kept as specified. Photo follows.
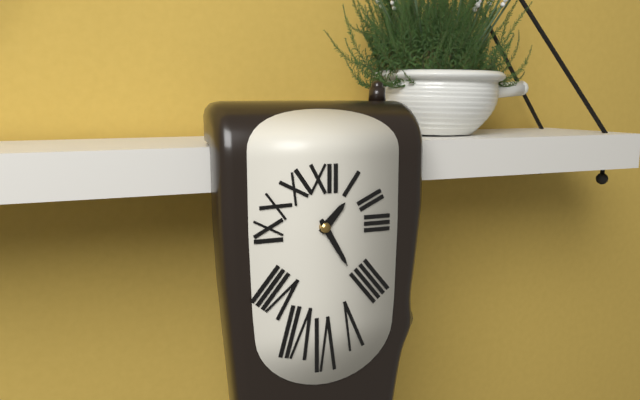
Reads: 1:25
